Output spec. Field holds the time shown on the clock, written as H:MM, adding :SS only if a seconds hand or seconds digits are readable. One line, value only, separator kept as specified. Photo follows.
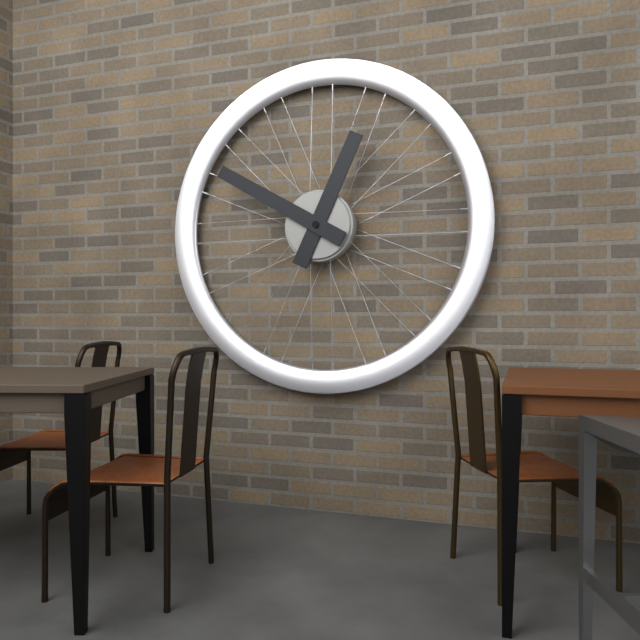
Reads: 12:50
